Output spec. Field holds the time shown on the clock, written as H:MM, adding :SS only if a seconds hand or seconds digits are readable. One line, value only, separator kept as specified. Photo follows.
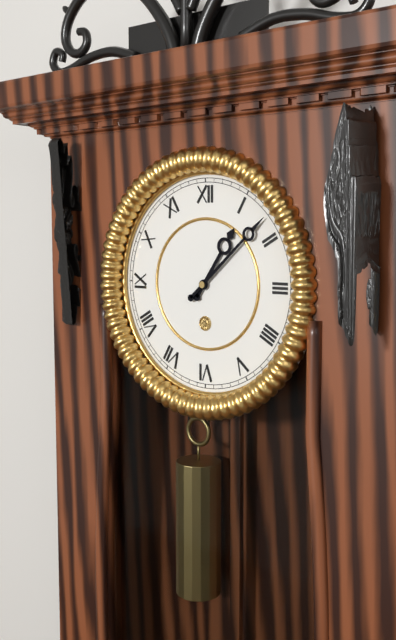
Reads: 1:08
